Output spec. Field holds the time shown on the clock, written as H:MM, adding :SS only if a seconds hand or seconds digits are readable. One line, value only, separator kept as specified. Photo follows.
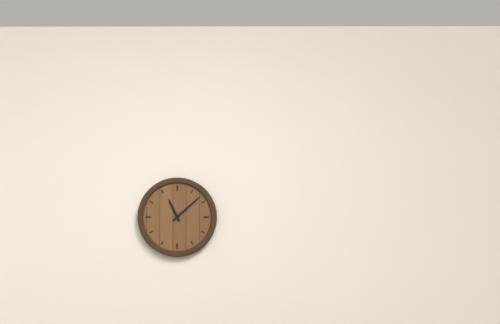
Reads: 11:08
